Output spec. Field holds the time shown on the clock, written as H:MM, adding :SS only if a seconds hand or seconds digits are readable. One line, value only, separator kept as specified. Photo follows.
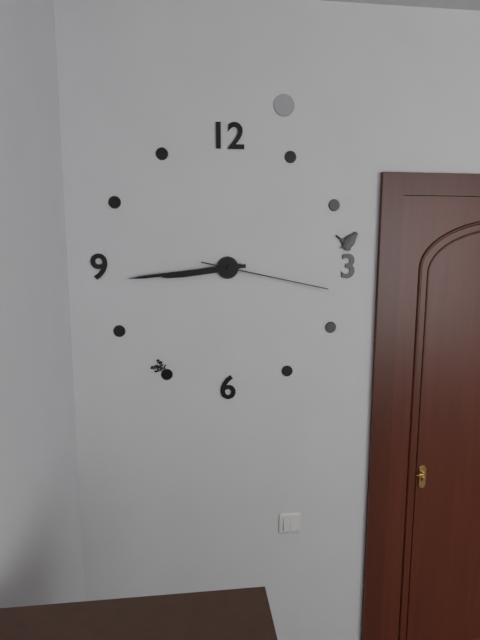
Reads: 8:44:17
